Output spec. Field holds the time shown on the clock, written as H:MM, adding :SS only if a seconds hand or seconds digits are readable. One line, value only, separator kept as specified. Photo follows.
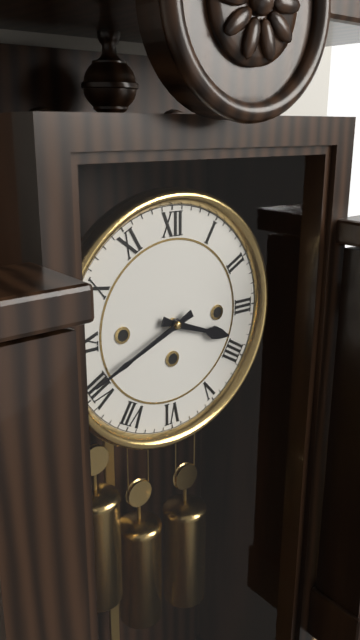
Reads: 3:41
